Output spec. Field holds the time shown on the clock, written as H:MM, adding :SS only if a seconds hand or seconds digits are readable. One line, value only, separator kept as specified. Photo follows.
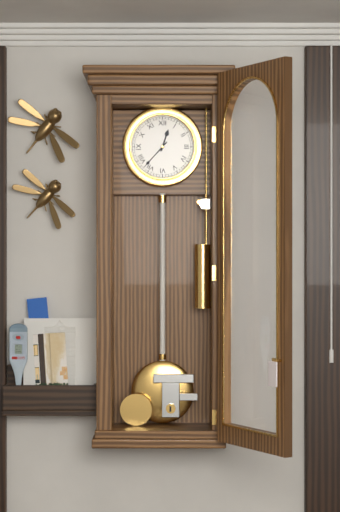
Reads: 12:37
